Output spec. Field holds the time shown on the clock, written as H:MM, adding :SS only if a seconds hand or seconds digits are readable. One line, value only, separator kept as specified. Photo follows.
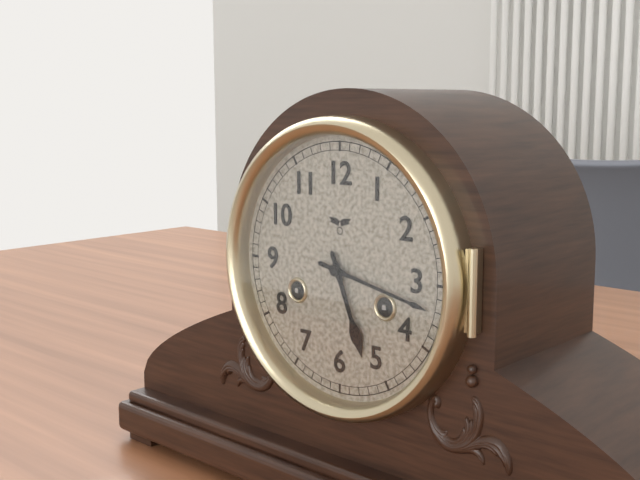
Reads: 5:17
